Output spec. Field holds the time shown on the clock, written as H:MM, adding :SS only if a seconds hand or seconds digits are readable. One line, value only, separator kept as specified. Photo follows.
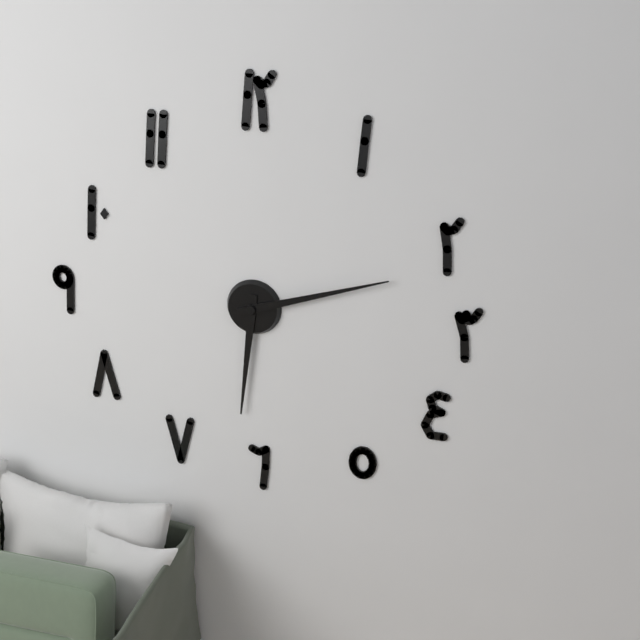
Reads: 6:12
